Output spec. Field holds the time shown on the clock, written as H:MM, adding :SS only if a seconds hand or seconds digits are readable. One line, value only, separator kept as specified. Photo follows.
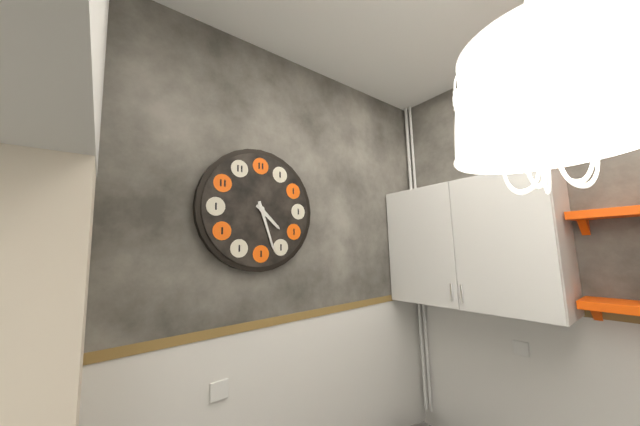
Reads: 4:27
